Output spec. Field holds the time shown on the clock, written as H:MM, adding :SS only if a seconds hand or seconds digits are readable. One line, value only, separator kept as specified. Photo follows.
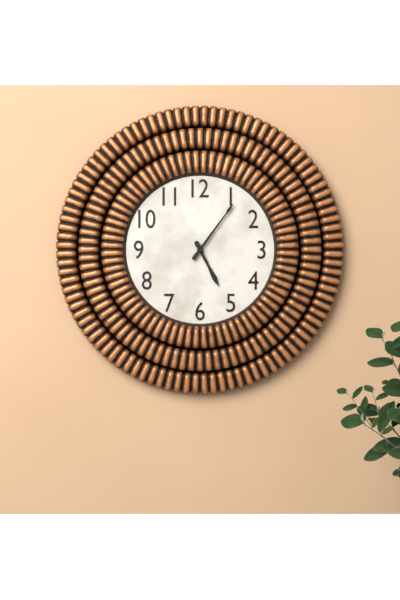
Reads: 5:06
